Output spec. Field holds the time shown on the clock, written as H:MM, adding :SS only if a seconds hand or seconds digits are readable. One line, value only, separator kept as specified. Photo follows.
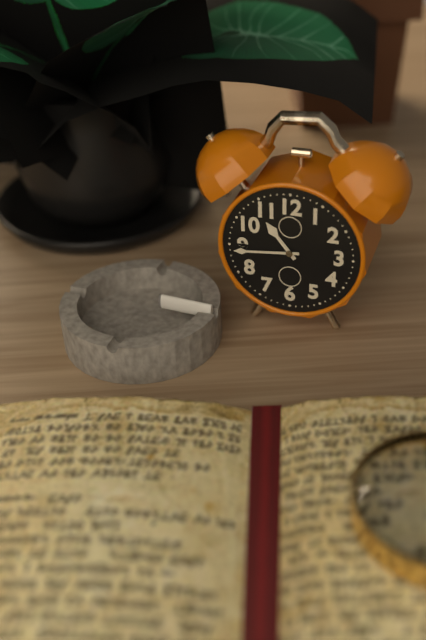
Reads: 10:44
